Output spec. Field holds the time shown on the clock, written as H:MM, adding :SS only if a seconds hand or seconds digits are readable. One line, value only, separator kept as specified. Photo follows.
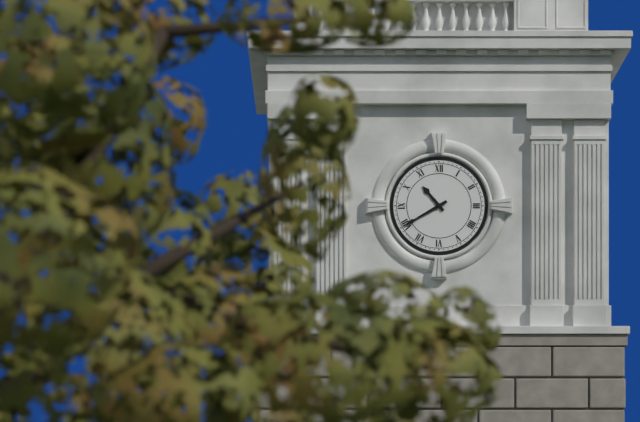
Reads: 10:40
